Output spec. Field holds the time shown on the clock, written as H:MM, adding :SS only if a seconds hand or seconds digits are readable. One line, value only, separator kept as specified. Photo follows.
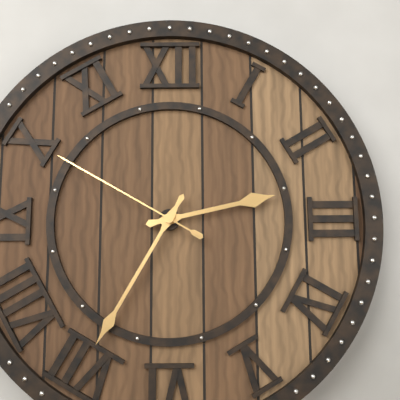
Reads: 2:35:50
